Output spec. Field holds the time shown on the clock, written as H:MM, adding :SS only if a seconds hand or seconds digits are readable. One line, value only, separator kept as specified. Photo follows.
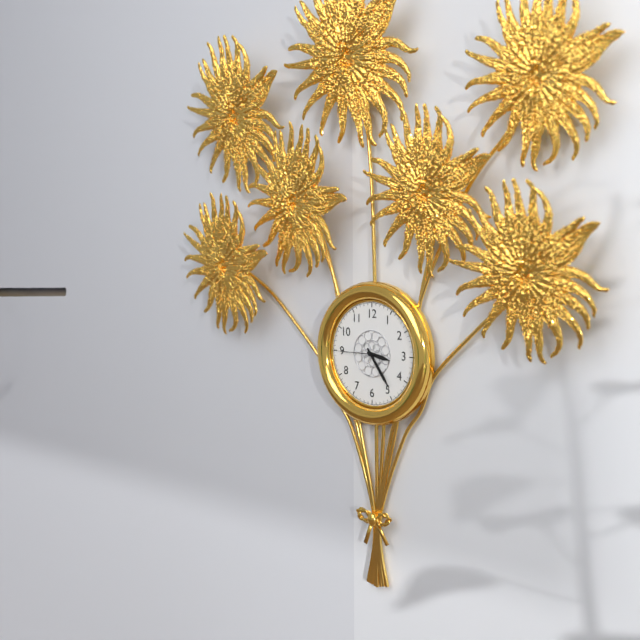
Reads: 3:24
